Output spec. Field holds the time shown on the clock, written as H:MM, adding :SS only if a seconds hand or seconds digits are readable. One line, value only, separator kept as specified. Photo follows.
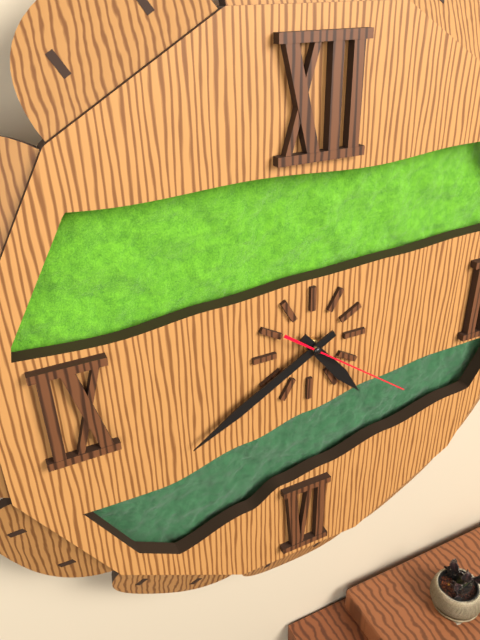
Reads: 4:40:21
